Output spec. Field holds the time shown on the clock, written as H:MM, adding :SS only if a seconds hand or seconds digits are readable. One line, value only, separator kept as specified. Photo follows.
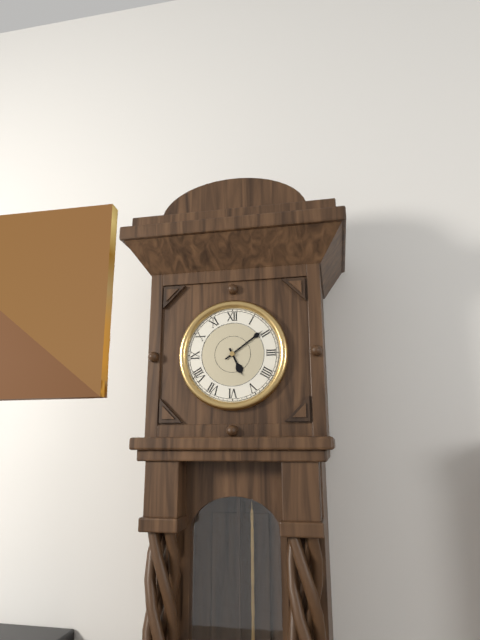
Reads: 5:09
